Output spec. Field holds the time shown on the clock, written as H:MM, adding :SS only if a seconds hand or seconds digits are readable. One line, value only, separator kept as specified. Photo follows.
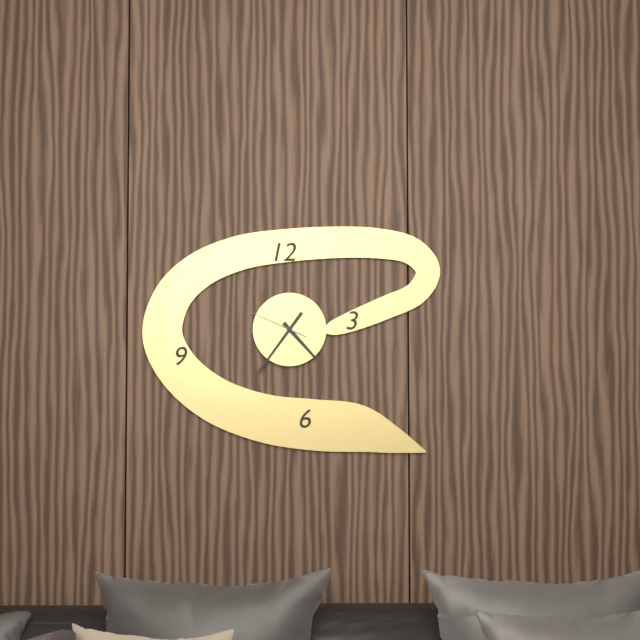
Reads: 4:36:49
